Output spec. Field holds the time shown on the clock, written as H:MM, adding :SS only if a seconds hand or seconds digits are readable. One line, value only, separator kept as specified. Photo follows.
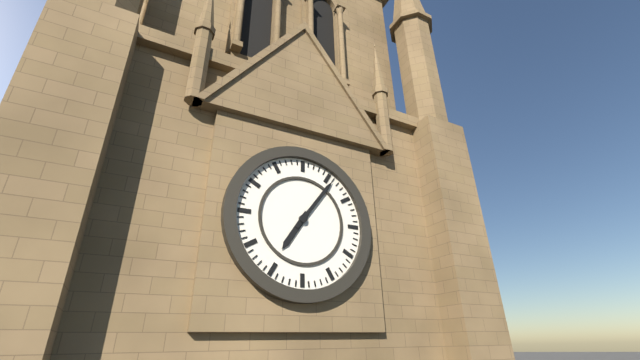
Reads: 7:06
